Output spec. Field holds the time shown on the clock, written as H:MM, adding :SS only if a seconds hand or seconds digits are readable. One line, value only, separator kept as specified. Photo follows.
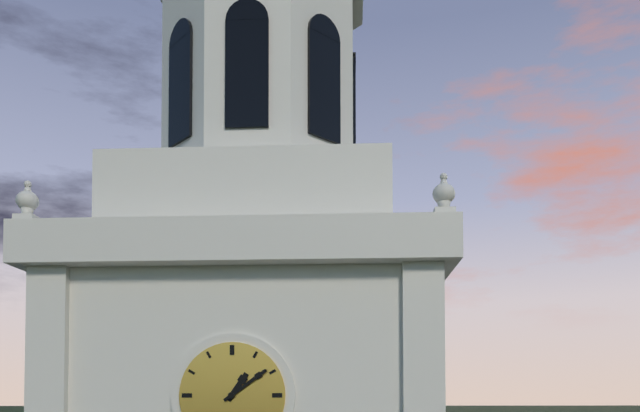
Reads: 1:09
